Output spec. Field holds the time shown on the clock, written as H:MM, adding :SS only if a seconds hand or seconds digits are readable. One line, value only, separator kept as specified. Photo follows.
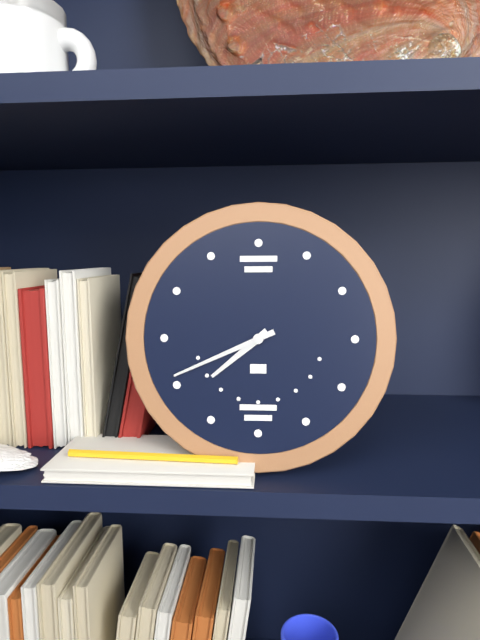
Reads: 7:41
